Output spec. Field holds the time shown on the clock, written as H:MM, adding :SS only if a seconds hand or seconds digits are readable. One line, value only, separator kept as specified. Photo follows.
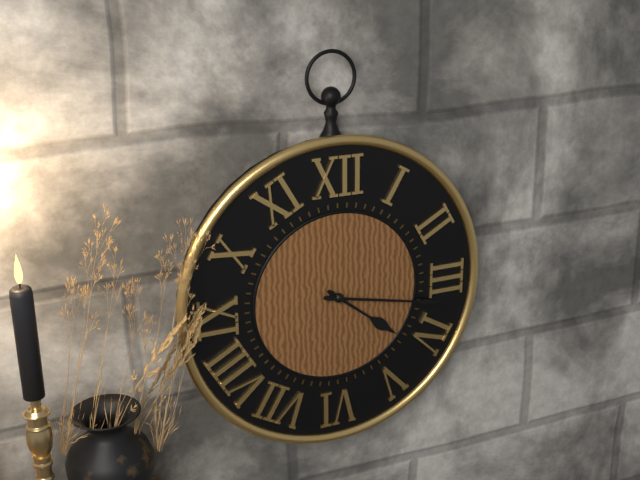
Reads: 4:17
